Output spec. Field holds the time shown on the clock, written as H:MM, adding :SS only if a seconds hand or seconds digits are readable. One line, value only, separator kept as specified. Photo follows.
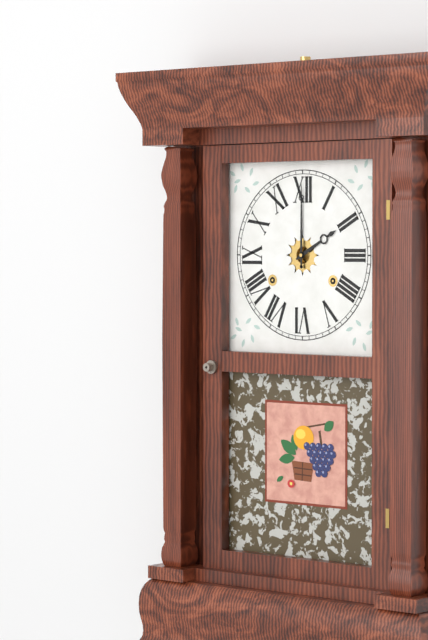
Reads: 2:00
